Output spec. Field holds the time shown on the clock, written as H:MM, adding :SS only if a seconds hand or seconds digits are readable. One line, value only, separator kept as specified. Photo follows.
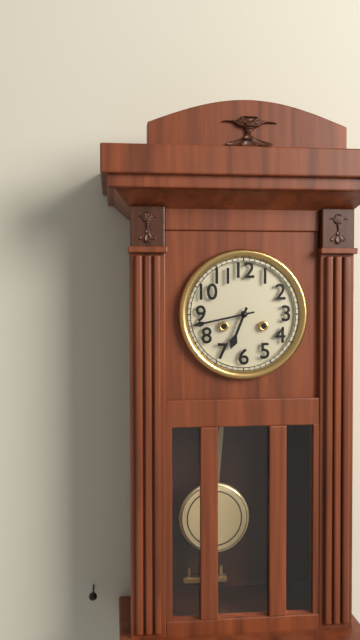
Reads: 6:43
